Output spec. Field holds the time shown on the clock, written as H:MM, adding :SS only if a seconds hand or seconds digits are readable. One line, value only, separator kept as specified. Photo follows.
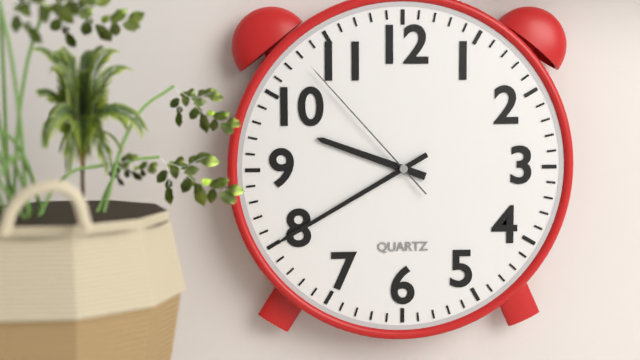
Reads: 9:40:53
